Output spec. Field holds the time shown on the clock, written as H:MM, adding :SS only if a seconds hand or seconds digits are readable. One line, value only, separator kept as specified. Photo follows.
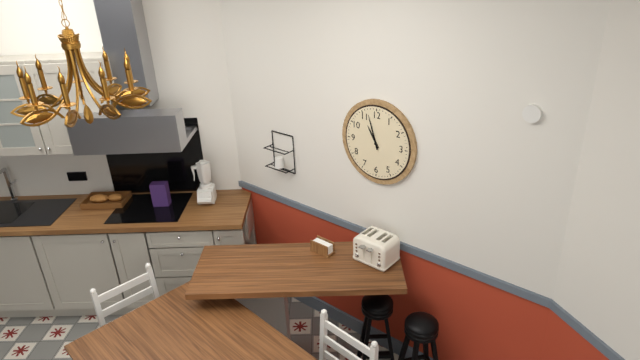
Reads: 10:57
